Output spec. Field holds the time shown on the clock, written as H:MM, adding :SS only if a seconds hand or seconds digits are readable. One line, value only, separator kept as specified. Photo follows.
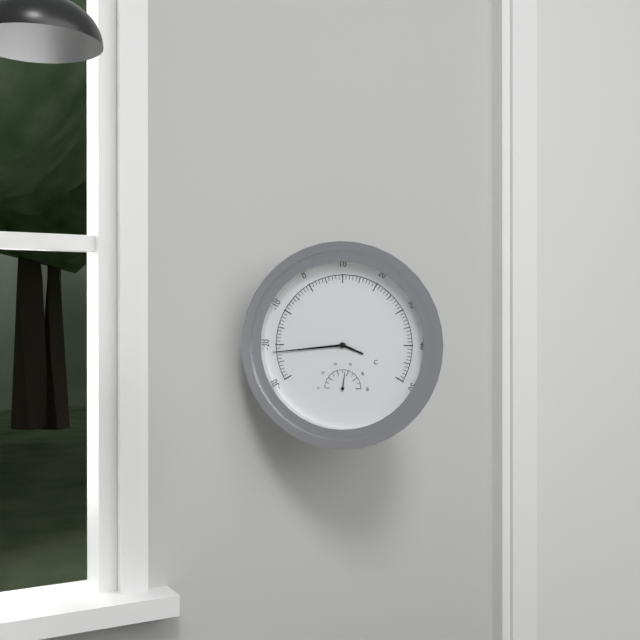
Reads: 3:44
